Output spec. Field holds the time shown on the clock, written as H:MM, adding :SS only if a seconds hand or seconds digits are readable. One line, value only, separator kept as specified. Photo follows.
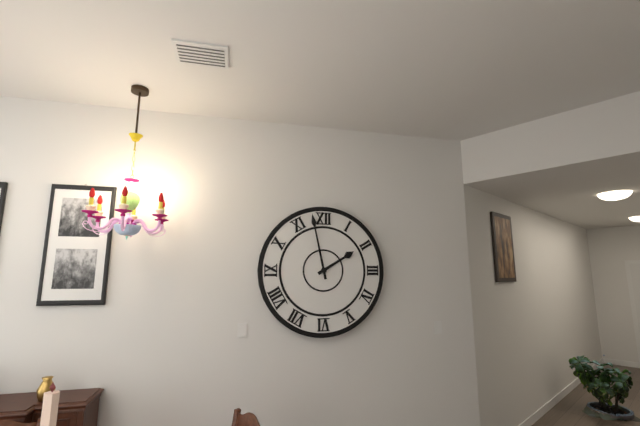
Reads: 1:58
